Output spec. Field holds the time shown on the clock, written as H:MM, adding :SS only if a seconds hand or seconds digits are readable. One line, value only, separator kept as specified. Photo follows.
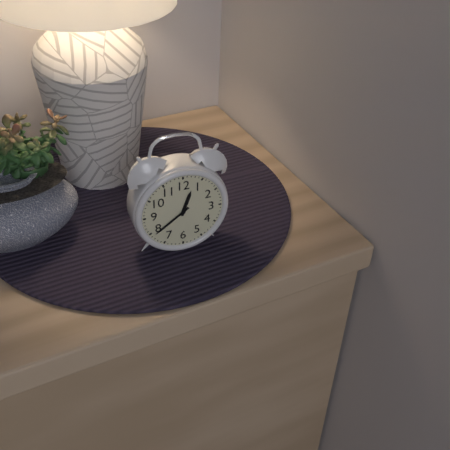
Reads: 12:39
